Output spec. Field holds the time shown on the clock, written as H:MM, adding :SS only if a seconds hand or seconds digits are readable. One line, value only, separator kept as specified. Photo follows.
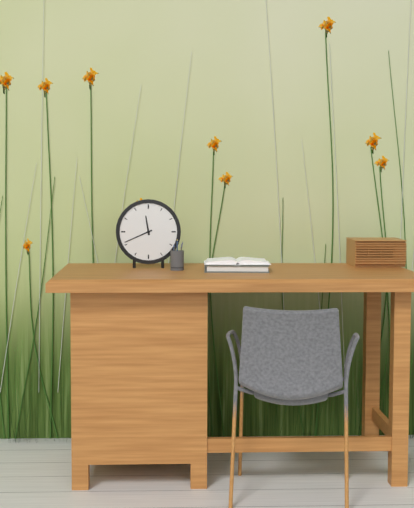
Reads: 11:41
